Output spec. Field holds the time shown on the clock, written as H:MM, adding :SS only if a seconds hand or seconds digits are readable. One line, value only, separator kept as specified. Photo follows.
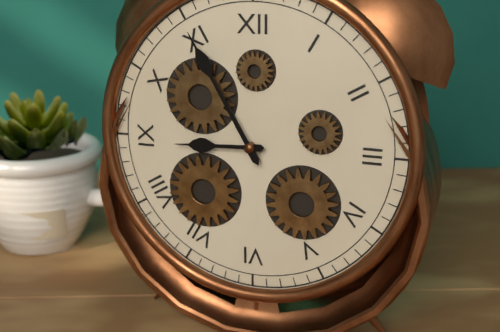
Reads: 8:55
